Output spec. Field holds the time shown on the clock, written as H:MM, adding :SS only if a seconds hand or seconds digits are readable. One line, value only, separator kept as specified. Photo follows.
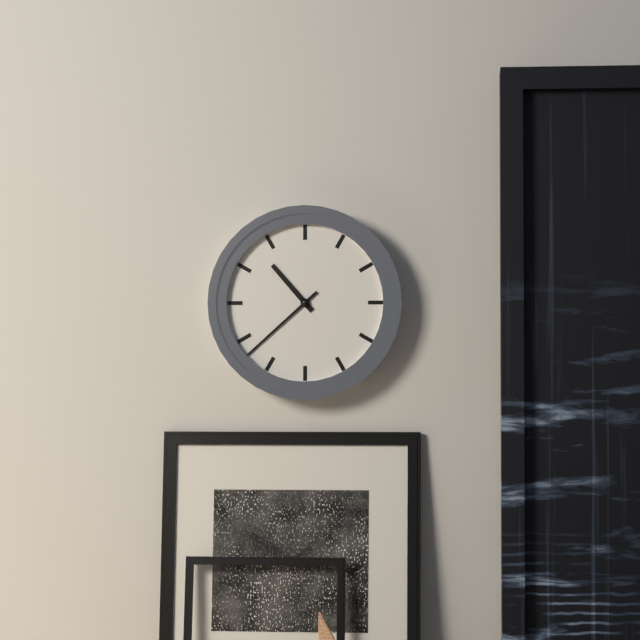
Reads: 10:38
